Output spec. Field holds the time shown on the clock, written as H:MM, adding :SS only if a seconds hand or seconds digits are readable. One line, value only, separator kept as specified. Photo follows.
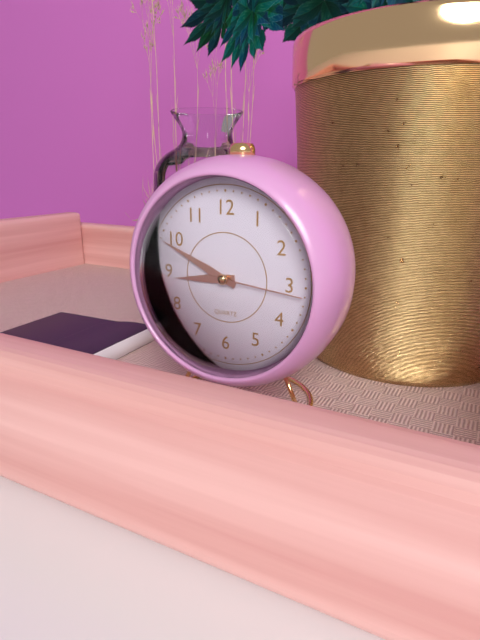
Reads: 8:49:16
